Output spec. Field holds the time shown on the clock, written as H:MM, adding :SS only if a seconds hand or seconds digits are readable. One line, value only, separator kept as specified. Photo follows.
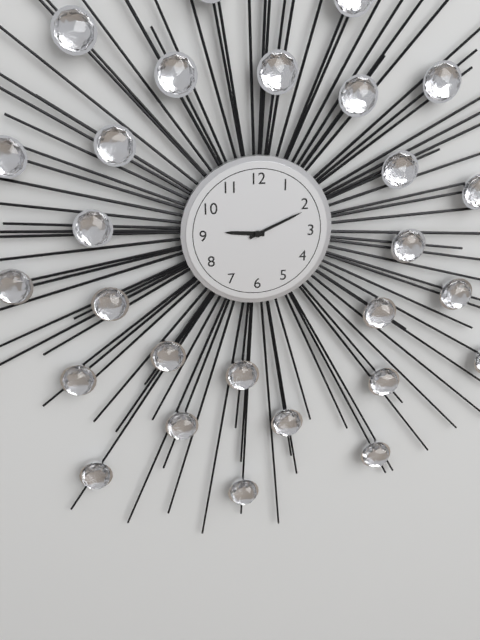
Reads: 9:11
